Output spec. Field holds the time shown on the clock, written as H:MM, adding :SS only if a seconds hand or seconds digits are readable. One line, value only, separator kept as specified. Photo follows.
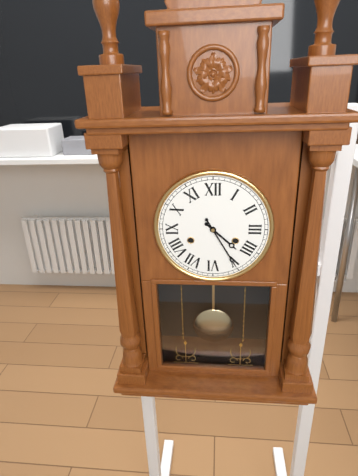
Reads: 4:25
